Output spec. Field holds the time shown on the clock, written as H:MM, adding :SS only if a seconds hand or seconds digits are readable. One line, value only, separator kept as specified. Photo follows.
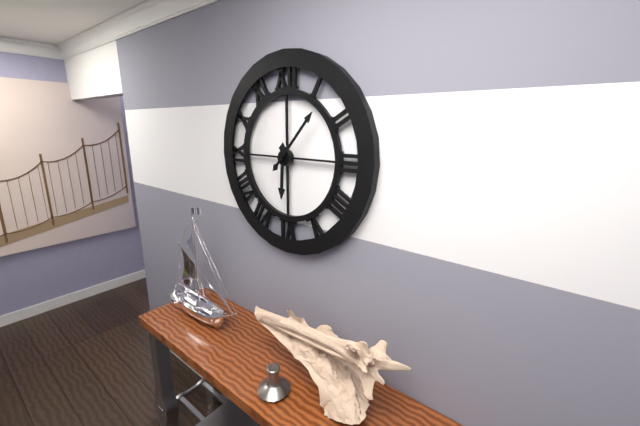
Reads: 6:07
